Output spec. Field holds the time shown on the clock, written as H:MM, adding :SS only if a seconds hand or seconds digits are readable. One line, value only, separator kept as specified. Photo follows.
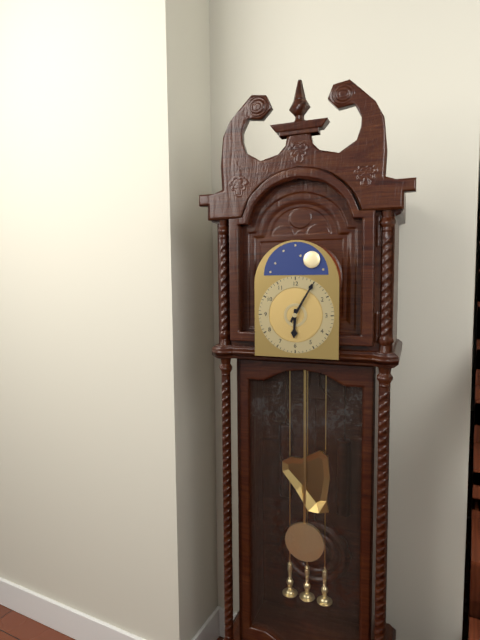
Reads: 6:05
